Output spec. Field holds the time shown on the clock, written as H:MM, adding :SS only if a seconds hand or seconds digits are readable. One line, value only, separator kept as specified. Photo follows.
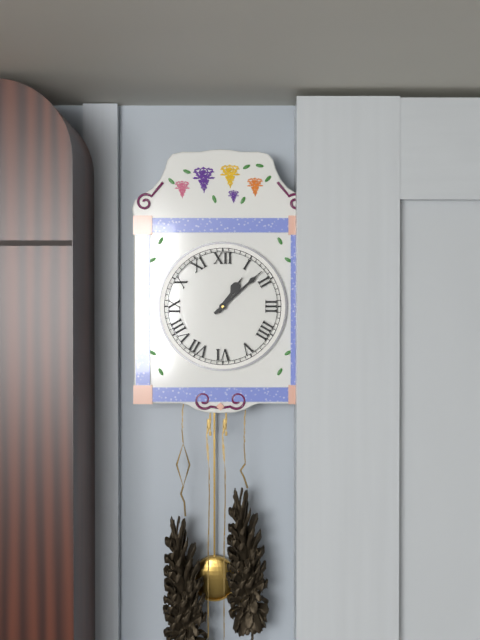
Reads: 1:08
